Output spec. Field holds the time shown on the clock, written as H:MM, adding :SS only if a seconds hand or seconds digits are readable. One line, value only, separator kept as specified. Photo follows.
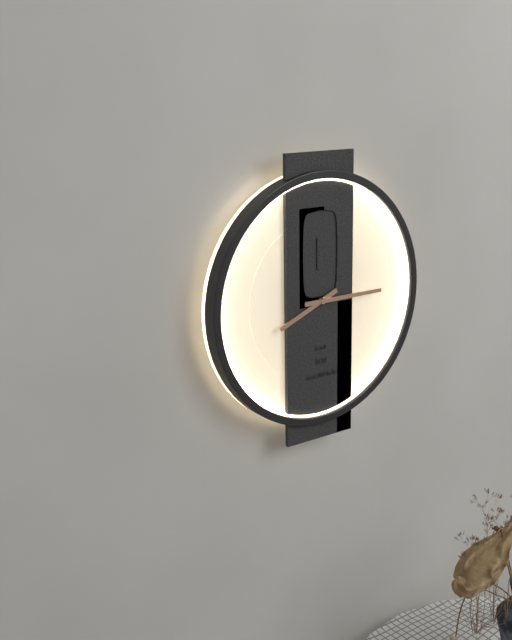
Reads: 8:15
